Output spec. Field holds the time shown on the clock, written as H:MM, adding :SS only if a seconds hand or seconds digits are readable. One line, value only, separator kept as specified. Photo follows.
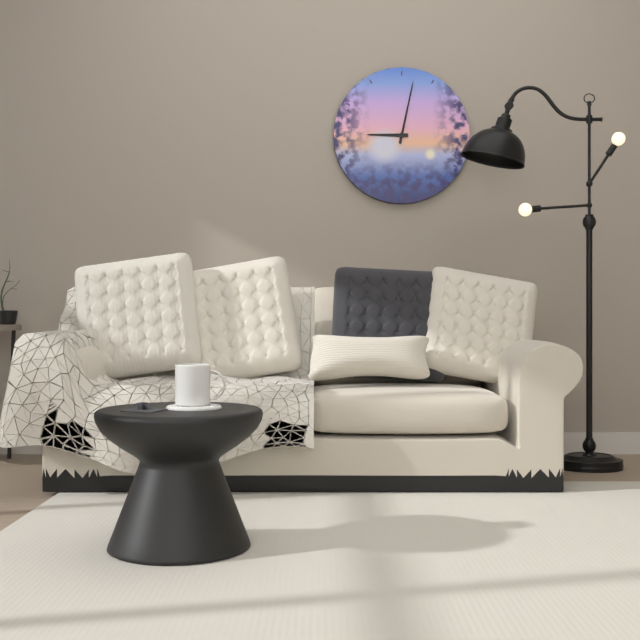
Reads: 9:02
